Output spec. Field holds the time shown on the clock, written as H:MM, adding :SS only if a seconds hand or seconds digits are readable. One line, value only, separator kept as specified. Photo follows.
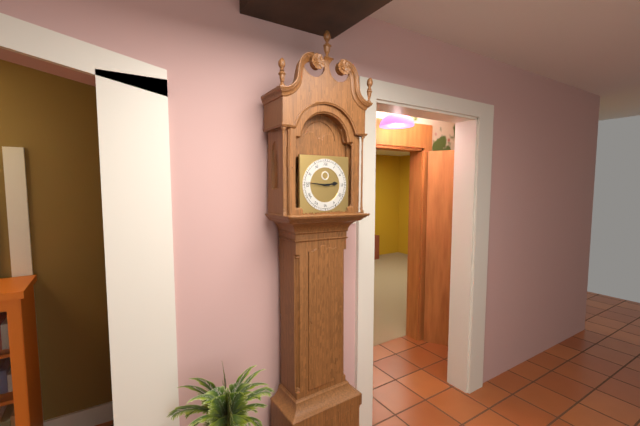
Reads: 2:46
